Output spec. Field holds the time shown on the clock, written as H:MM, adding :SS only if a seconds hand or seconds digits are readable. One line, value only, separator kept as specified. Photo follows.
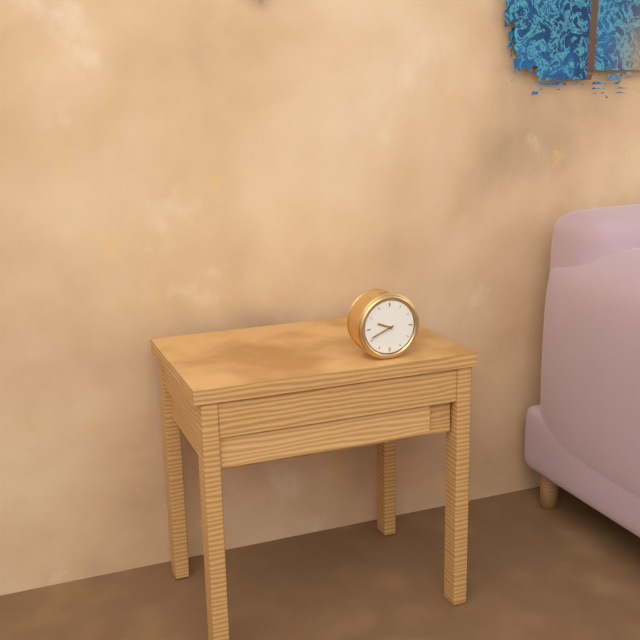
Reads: 9:41
